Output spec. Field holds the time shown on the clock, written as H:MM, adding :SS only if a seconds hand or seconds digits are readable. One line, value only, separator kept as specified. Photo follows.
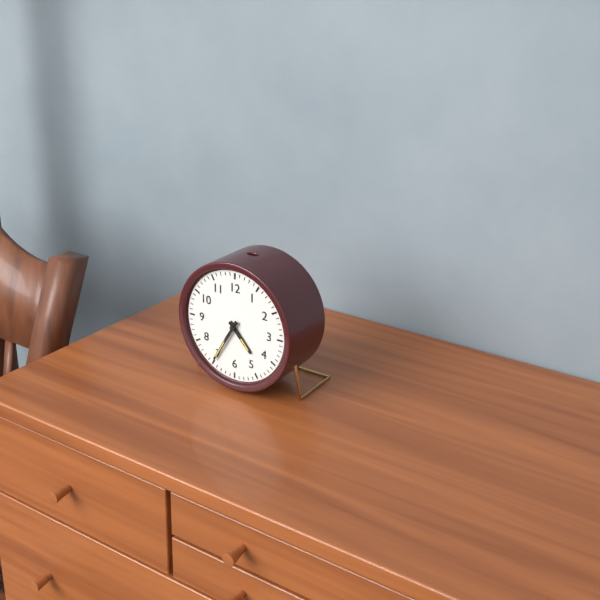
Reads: 4:35
